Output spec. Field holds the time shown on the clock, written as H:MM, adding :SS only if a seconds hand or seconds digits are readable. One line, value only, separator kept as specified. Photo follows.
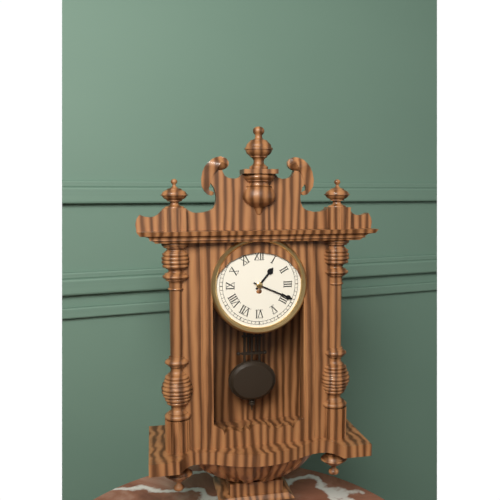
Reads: 1:19
